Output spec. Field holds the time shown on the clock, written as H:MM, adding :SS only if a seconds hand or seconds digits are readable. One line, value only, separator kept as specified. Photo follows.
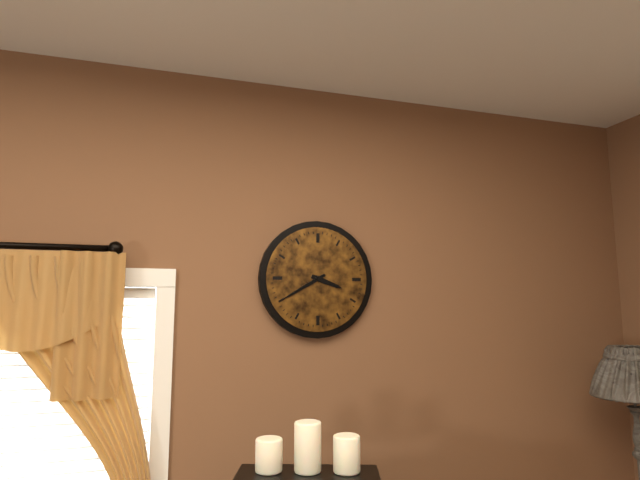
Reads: 3:40
